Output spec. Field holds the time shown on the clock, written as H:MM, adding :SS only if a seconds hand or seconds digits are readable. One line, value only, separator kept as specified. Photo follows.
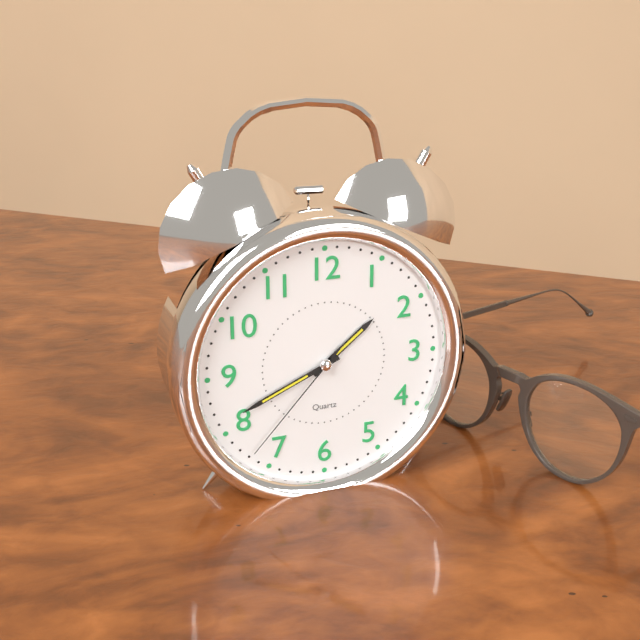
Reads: 1:41:37
